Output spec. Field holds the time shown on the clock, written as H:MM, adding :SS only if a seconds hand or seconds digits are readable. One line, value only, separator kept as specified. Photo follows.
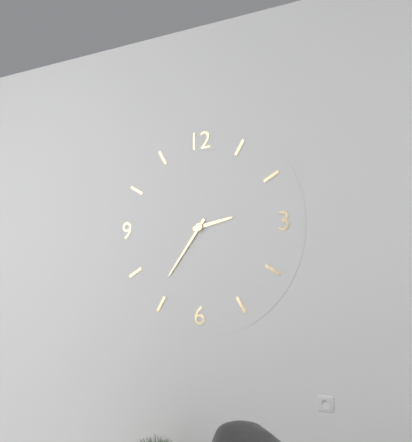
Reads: 2:36
